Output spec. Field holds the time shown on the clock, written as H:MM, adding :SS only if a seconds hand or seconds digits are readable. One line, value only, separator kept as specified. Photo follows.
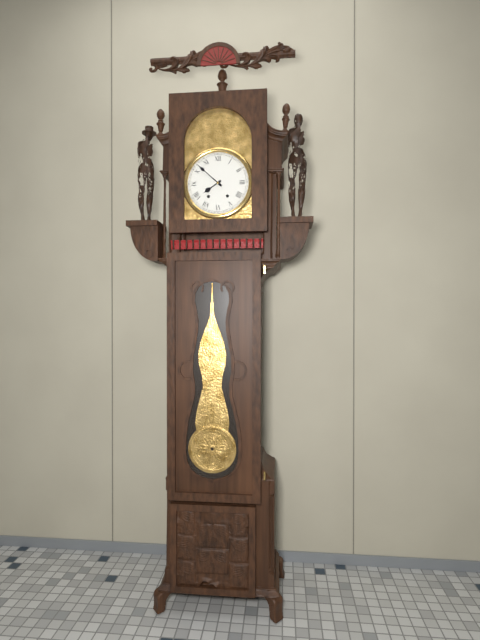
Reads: 7:52
